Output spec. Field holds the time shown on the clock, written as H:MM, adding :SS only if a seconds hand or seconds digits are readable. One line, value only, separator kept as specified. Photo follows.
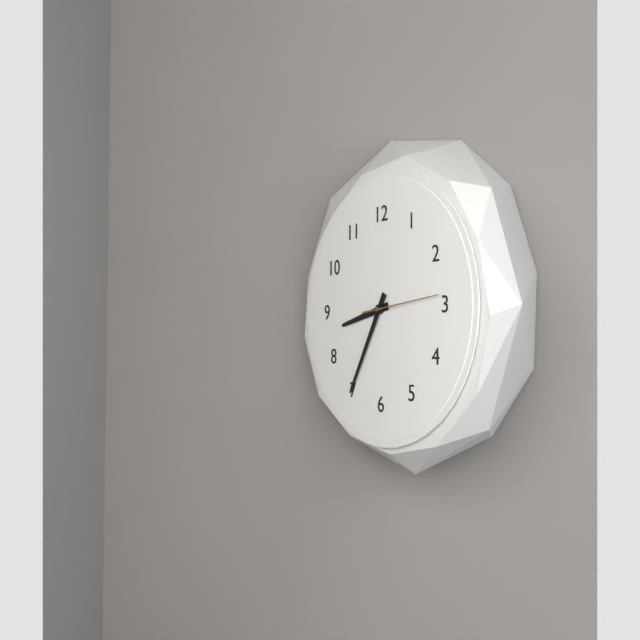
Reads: 8:35:14
